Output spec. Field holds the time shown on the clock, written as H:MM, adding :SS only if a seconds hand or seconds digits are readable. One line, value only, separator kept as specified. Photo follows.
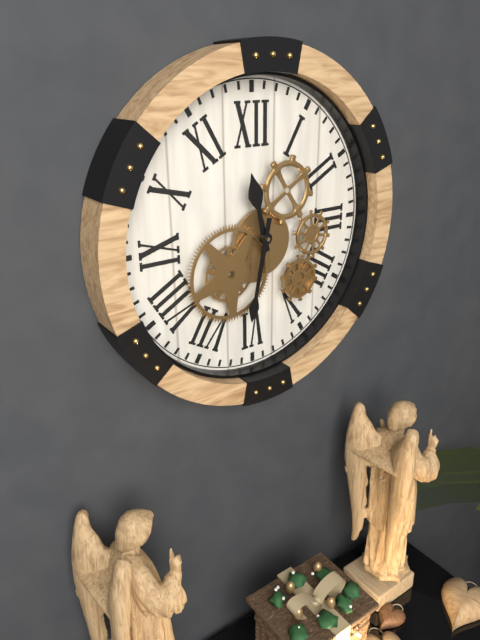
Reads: 11:32
